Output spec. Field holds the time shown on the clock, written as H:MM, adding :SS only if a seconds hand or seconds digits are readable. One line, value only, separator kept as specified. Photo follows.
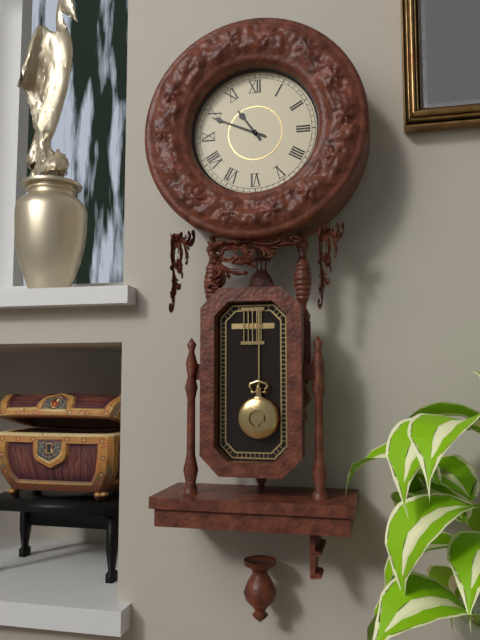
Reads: 10:49
